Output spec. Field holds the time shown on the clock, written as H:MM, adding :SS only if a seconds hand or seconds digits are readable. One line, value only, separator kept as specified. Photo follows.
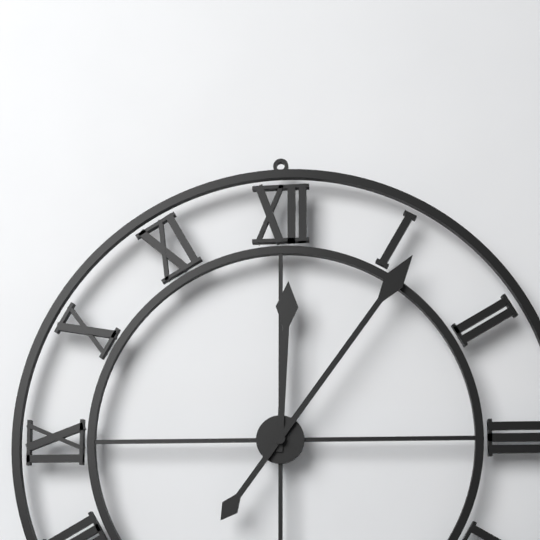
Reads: 12:06
